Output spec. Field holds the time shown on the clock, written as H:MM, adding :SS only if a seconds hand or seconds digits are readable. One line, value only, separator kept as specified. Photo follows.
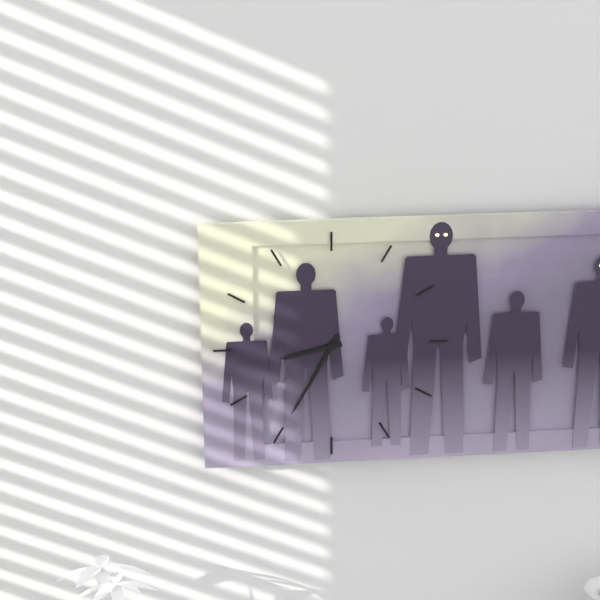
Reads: 8:35
